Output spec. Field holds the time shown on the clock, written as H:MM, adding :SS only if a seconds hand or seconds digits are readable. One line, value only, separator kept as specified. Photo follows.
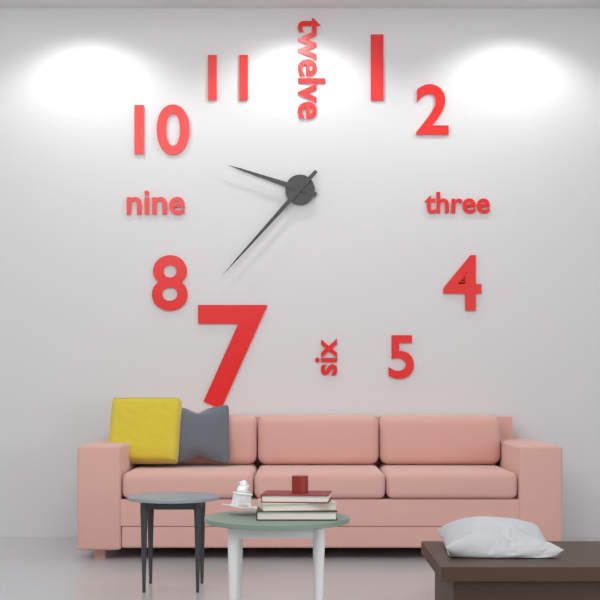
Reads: 9:37
